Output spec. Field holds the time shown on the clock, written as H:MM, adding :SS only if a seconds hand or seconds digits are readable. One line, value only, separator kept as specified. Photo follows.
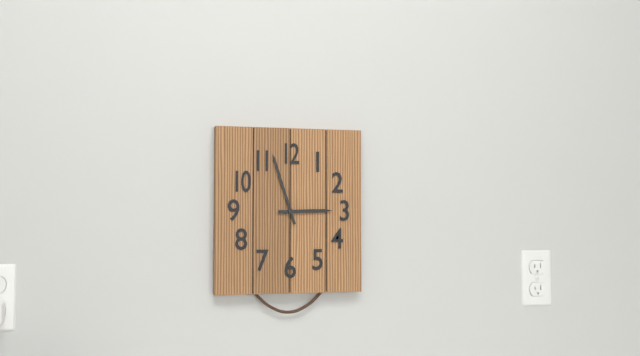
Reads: 2:57
